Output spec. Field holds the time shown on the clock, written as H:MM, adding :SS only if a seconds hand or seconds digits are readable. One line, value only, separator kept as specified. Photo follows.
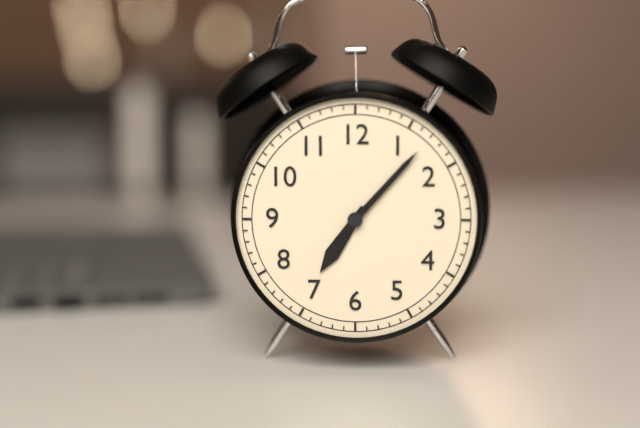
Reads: 7:07
